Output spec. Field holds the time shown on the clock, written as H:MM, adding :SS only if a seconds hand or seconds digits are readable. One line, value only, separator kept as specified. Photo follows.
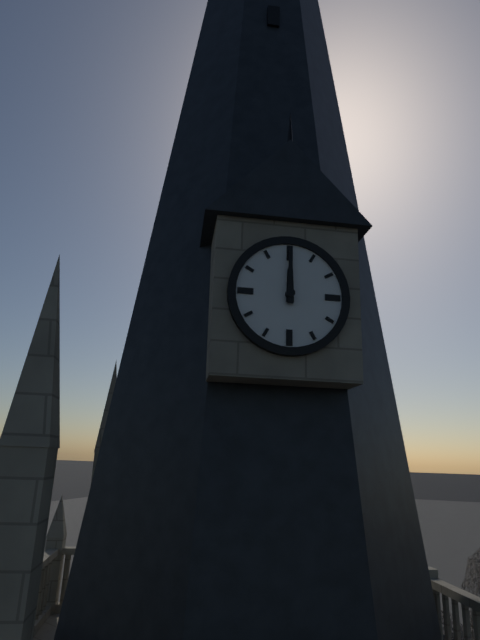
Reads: 12:00
